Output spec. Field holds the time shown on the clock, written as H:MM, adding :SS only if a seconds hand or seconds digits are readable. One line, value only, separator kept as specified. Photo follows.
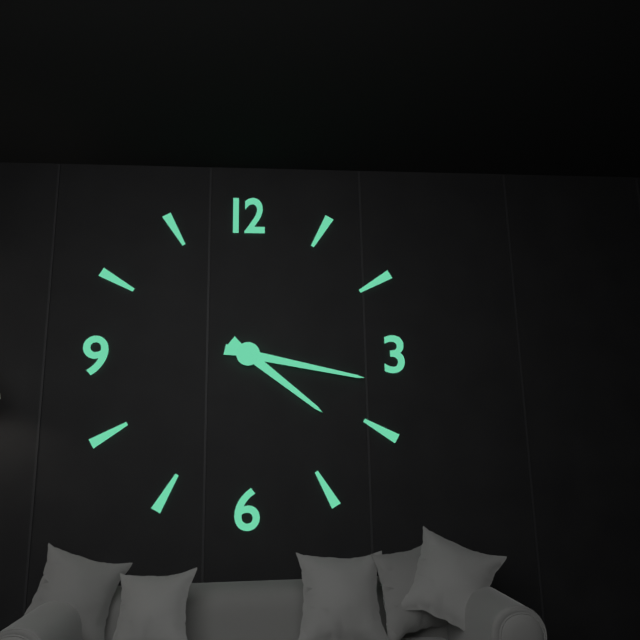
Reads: 4:17
